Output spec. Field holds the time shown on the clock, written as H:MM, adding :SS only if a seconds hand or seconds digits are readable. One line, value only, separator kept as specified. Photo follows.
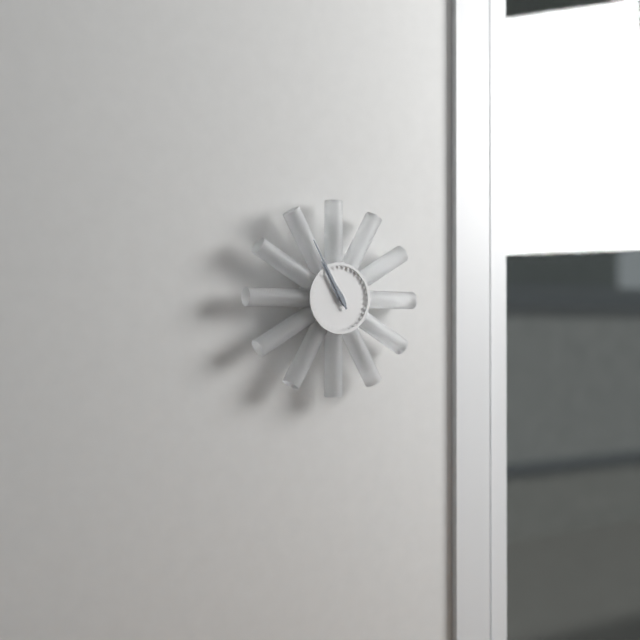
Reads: 10:55
